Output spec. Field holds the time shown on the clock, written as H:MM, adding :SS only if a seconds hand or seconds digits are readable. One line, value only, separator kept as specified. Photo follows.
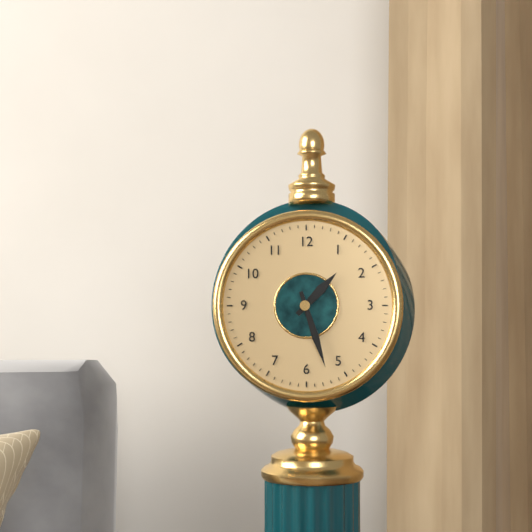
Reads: 1:27
